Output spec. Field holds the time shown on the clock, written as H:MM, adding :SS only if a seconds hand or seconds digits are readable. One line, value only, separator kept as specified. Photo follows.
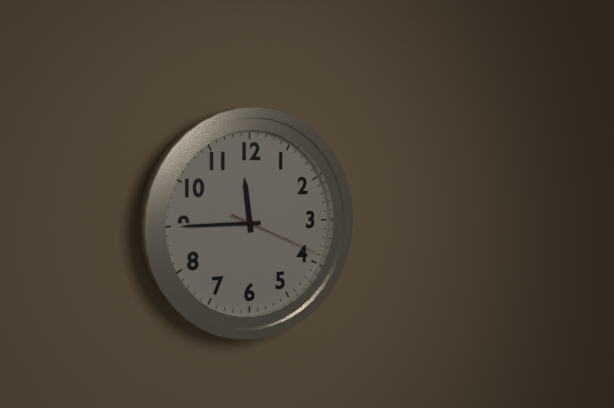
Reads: 11:45:19
